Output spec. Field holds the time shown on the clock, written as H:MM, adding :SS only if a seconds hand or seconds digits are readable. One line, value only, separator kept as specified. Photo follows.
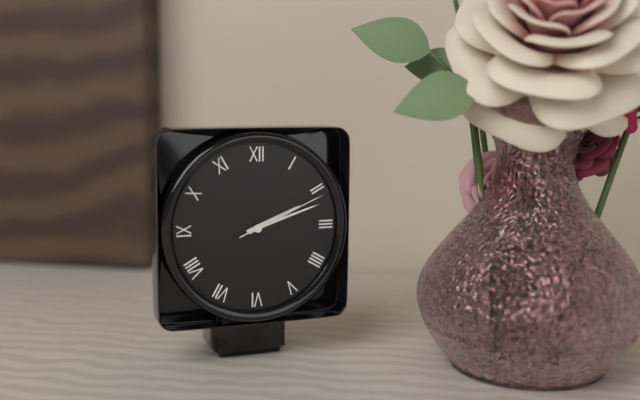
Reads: 2:12:11
